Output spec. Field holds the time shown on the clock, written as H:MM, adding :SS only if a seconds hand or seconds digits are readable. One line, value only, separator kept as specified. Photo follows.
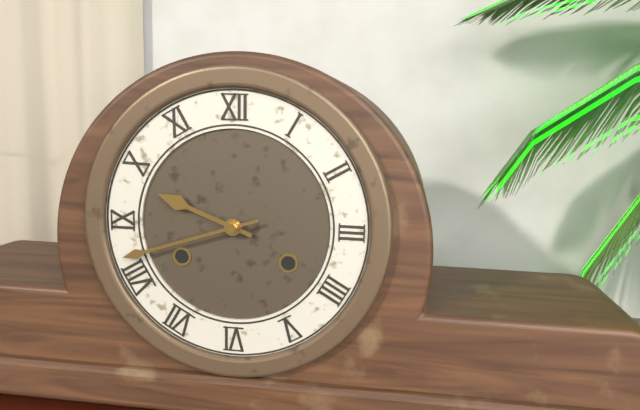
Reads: 9:42
